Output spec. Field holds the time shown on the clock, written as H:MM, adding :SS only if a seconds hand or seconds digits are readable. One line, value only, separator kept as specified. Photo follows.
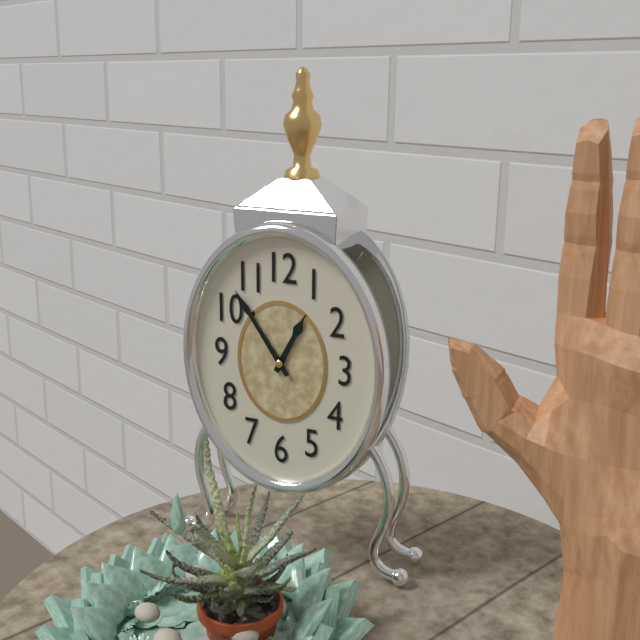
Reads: 12:54
